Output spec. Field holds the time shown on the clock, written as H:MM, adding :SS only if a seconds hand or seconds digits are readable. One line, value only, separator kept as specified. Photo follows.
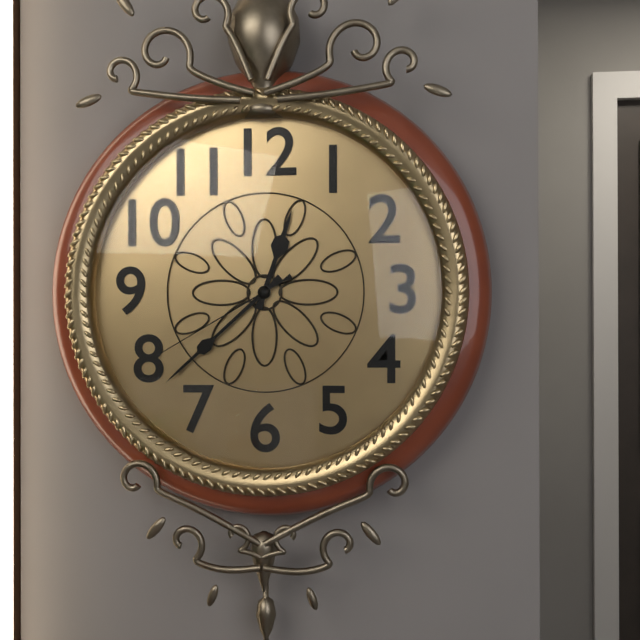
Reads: 12:38:40
